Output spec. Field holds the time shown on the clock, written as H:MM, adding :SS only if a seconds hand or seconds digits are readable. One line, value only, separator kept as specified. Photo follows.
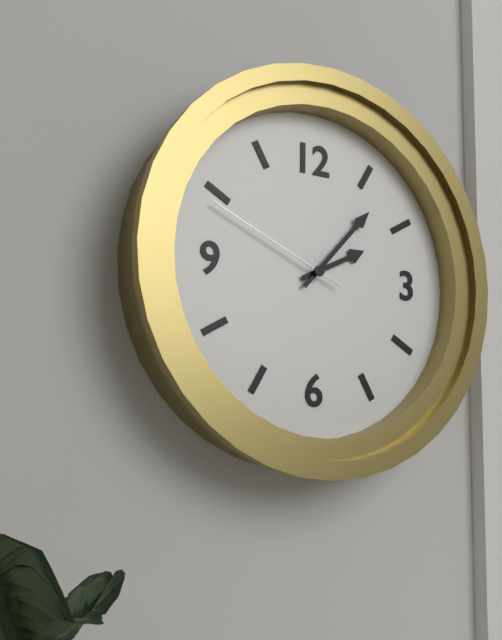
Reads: 2:07:49
